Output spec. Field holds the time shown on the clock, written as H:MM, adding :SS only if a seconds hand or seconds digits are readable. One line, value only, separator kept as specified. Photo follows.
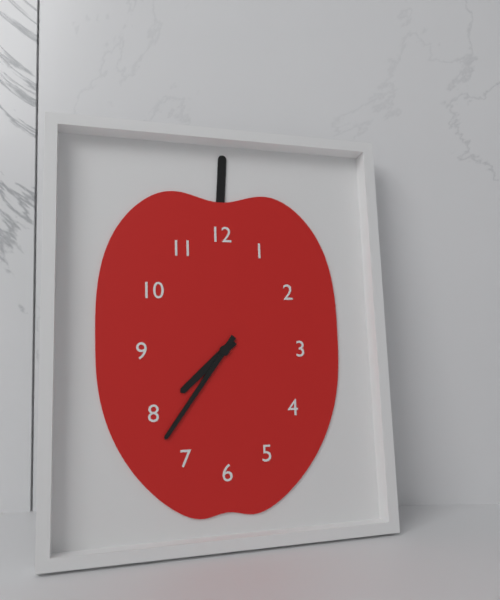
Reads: 7:36
